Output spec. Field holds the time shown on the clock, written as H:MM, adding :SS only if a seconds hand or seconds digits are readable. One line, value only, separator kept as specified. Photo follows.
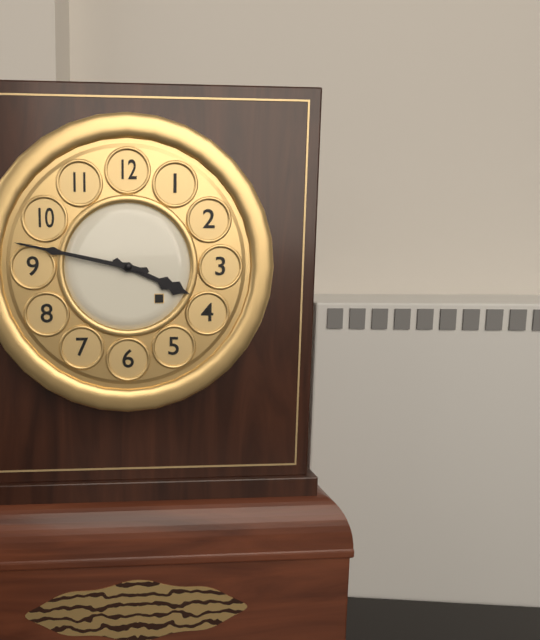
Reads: 3:47
